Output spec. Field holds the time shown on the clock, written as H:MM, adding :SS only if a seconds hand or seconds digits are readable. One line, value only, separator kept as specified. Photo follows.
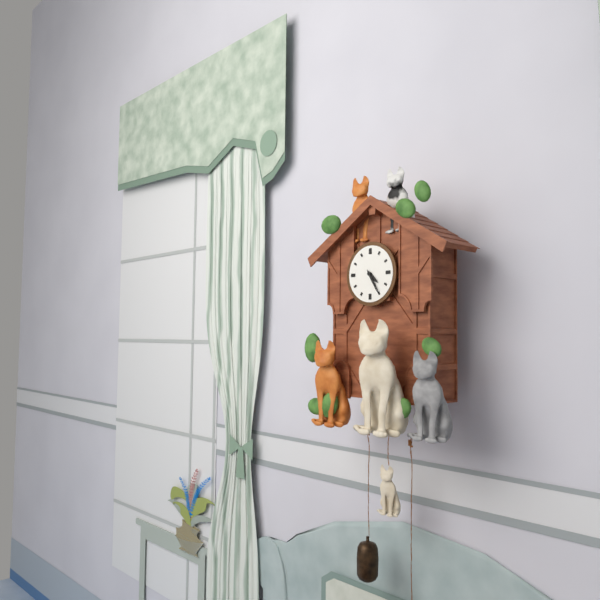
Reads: 4:25
